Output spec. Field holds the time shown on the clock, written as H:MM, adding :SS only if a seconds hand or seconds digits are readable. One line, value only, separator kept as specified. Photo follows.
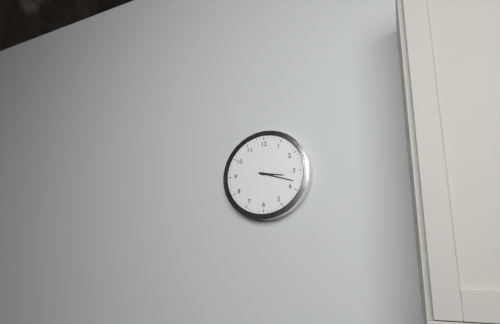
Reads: 3:18
